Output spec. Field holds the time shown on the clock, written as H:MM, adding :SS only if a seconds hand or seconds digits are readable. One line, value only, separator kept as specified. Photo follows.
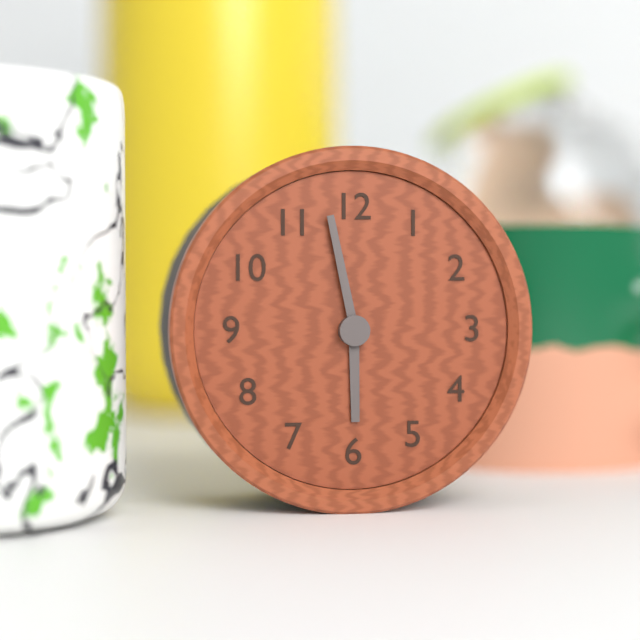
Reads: 5:58
